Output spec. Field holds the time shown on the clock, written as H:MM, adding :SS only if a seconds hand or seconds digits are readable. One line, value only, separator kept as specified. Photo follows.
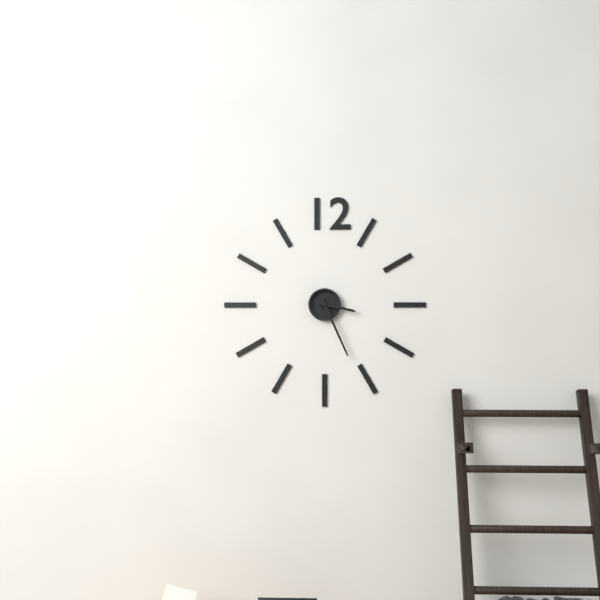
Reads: 3:26
